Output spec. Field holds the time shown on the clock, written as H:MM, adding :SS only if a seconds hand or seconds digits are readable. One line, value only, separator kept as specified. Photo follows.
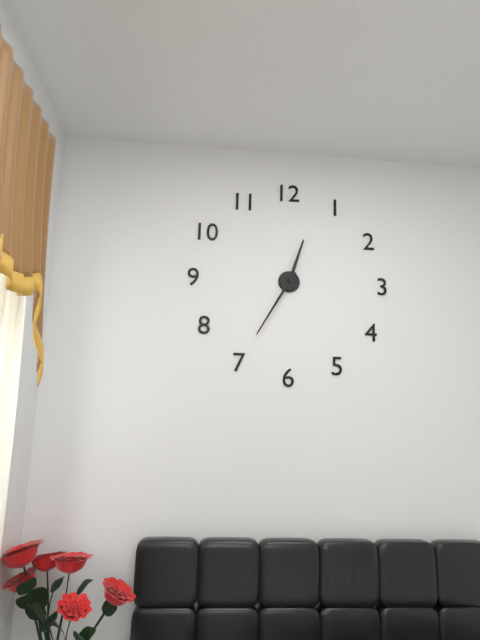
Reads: 12:35
